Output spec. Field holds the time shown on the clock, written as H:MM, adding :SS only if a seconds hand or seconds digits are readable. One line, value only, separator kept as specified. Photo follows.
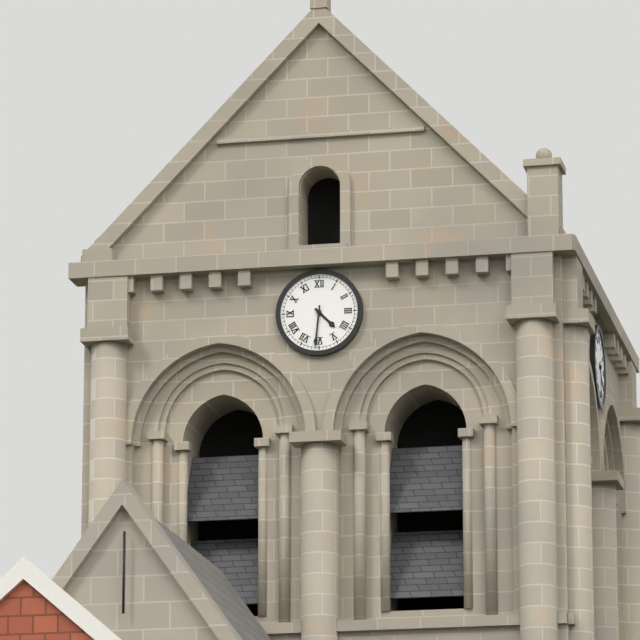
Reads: 4:31
